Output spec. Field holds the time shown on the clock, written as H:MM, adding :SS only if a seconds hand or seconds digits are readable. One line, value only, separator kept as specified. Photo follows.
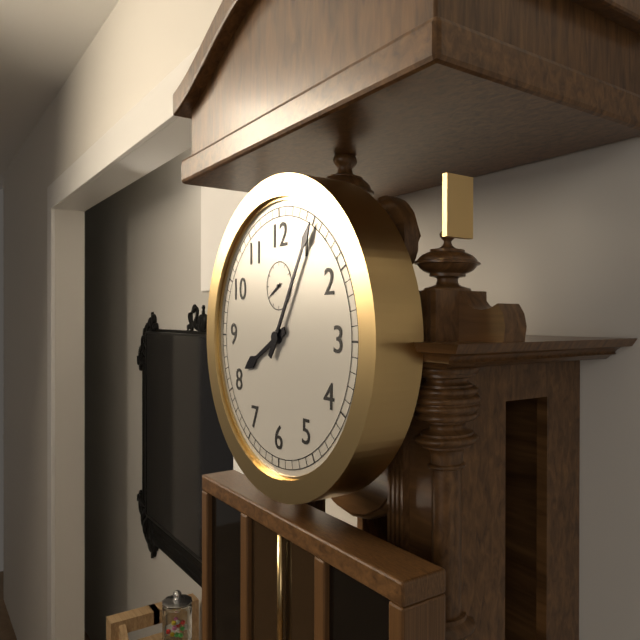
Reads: 8:05
